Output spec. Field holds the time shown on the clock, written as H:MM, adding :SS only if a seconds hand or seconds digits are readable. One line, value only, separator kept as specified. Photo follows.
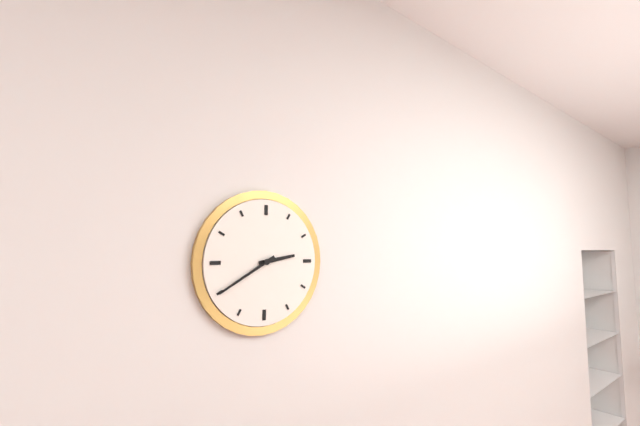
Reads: 2:40
